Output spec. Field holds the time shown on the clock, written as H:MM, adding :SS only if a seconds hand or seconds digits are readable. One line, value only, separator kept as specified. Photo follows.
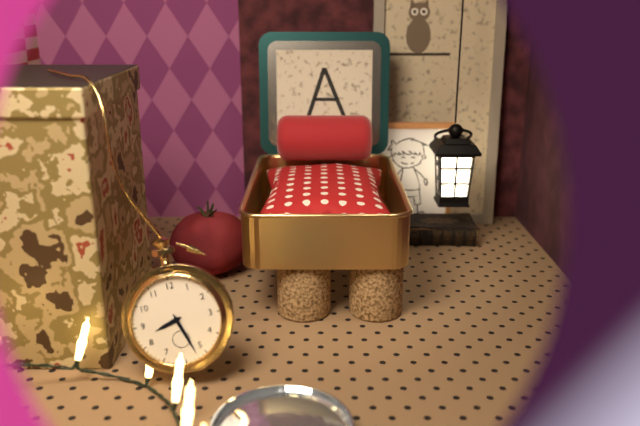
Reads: 8:27
